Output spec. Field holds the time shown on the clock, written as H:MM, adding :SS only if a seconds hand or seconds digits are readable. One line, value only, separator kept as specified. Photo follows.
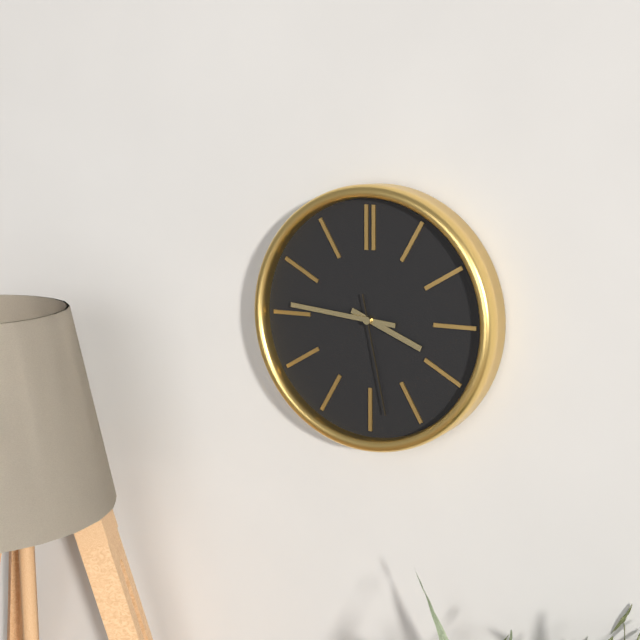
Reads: 3:46:28
